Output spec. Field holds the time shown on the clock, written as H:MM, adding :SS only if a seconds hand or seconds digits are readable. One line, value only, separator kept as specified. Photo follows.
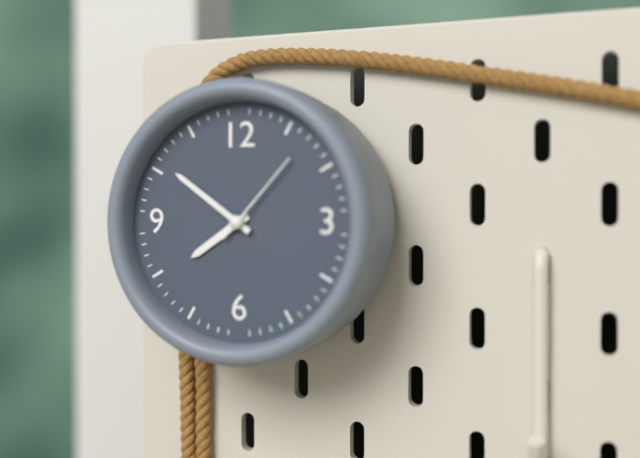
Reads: 7:51:07
